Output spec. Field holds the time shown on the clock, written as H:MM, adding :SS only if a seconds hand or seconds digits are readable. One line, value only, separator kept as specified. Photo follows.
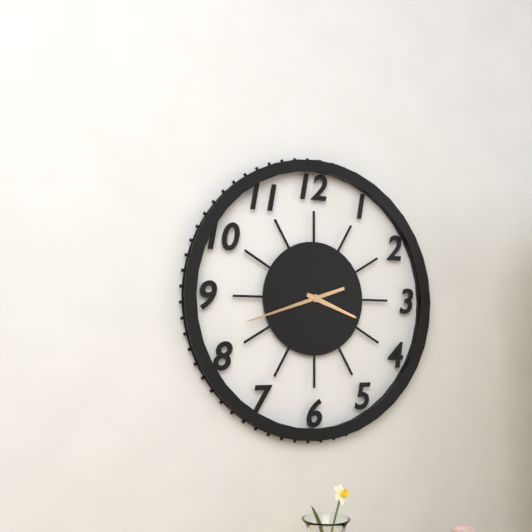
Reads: 3:42
